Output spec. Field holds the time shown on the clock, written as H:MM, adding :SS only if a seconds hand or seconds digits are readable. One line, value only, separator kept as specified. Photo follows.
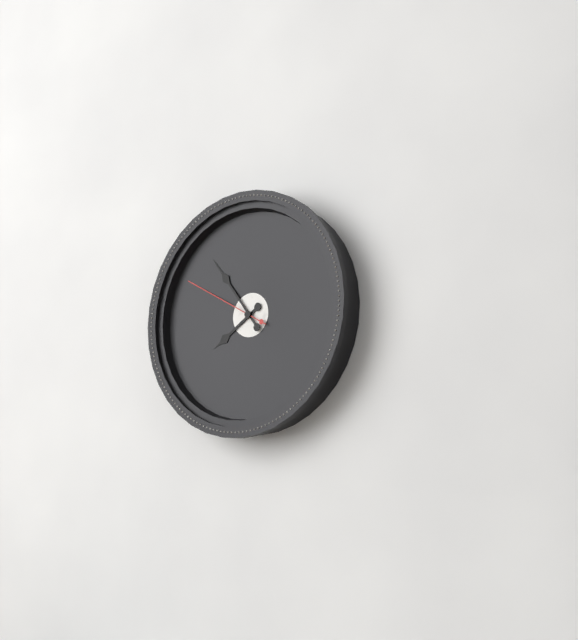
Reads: 7:54:50
